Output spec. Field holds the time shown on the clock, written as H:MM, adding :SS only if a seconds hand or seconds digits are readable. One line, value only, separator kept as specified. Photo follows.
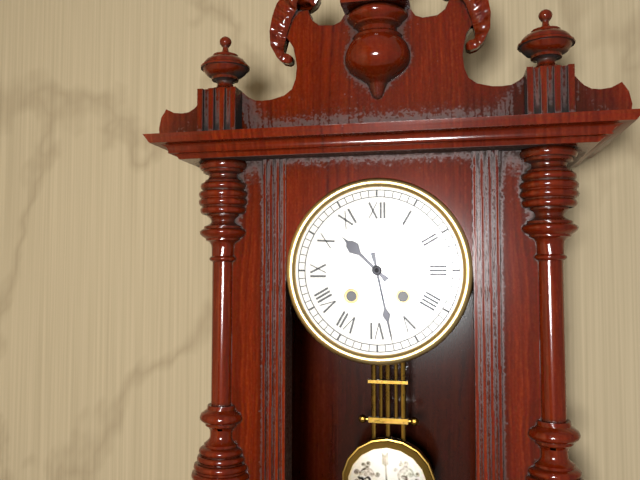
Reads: 10:28
